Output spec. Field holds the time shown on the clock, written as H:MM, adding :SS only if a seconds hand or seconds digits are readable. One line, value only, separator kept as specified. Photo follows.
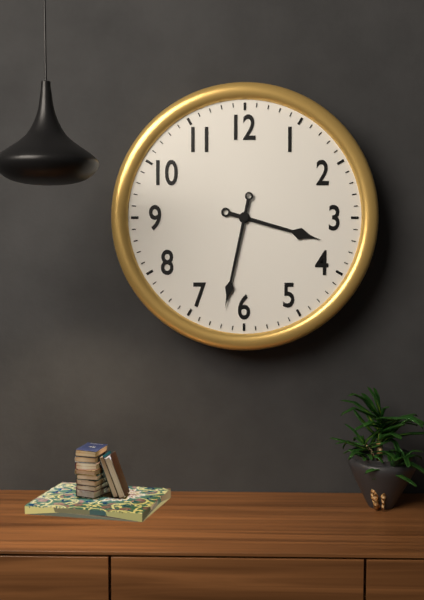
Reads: 3:32
